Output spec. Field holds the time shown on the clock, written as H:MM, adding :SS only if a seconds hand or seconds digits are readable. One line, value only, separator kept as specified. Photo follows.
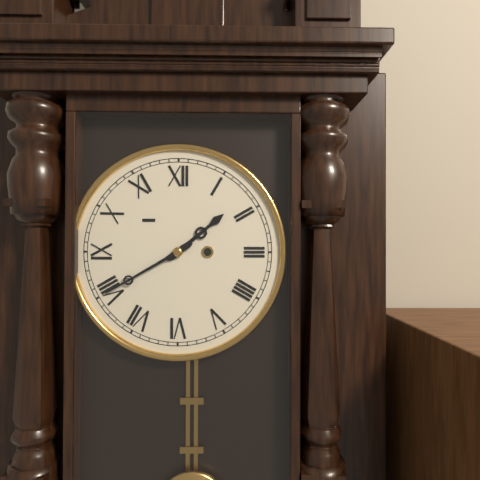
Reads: 1:40
